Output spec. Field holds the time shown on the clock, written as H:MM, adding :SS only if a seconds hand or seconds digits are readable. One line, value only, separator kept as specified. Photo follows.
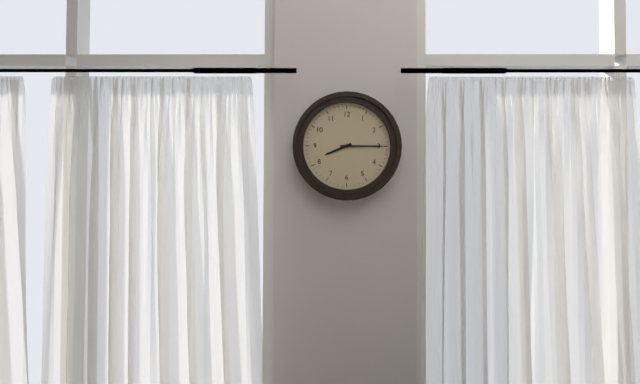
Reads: 8:15
